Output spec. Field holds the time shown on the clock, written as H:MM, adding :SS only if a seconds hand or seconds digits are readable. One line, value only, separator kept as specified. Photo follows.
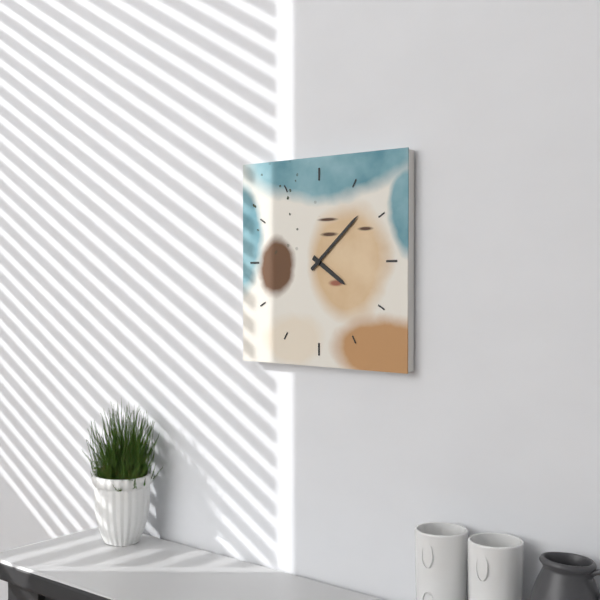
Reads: 4:08
